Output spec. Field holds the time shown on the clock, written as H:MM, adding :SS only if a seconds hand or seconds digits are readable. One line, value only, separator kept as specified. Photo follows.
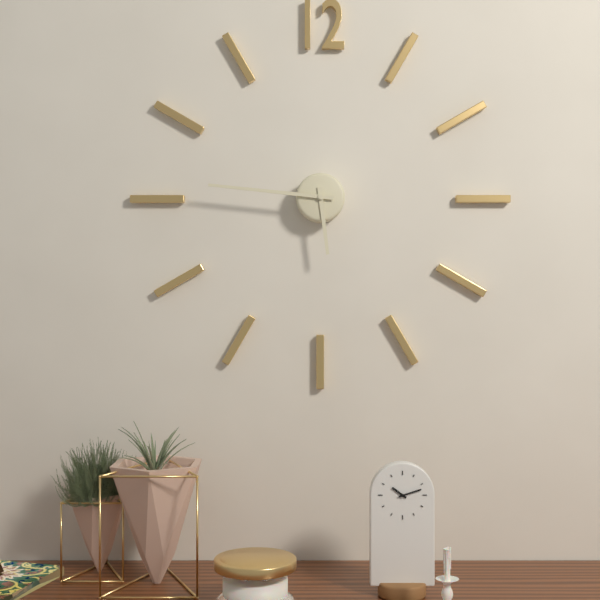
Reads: 5:46
